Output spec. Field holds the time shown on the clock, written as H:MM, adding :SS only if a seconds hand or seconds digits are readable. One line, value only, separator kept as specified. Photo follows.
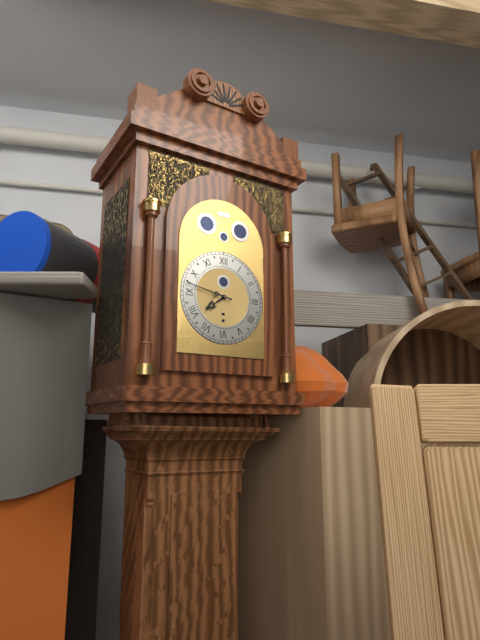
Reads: 7:47
